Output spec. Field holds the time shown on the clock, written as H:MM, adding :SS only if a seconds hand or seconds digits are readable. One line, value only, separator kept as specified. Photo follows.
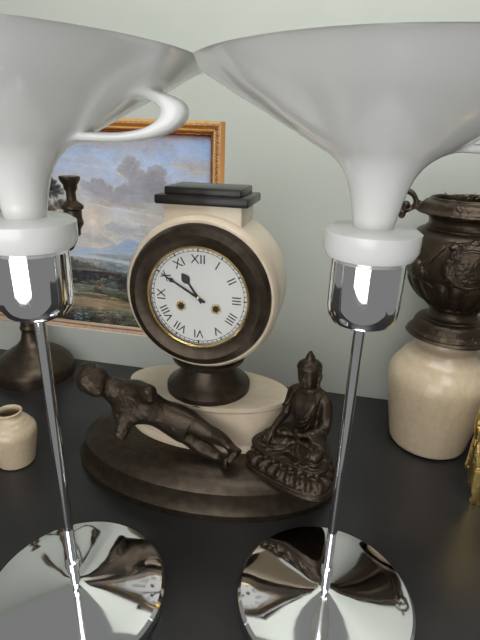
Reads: 10:50
